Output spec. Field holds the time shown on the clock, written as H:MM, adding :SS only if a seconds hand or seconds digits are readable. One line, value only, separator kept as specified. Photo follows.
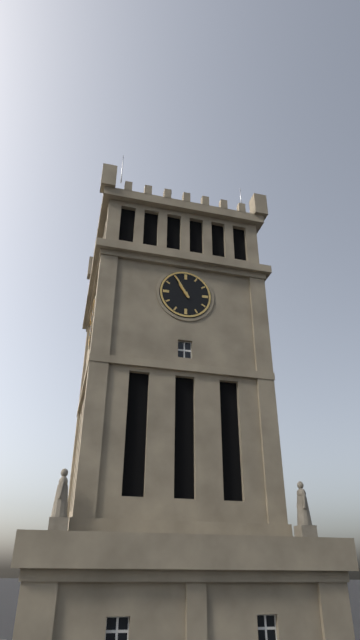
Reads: 10:55
